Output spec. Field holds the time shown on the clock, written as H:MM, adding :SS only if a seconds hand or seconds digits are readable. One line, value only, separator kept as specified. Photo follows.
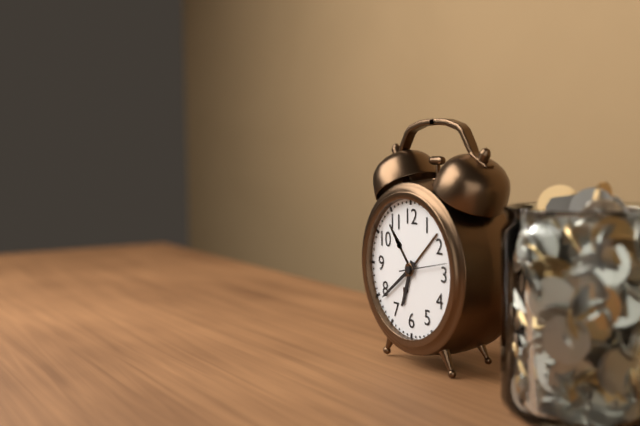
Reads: 6:39
